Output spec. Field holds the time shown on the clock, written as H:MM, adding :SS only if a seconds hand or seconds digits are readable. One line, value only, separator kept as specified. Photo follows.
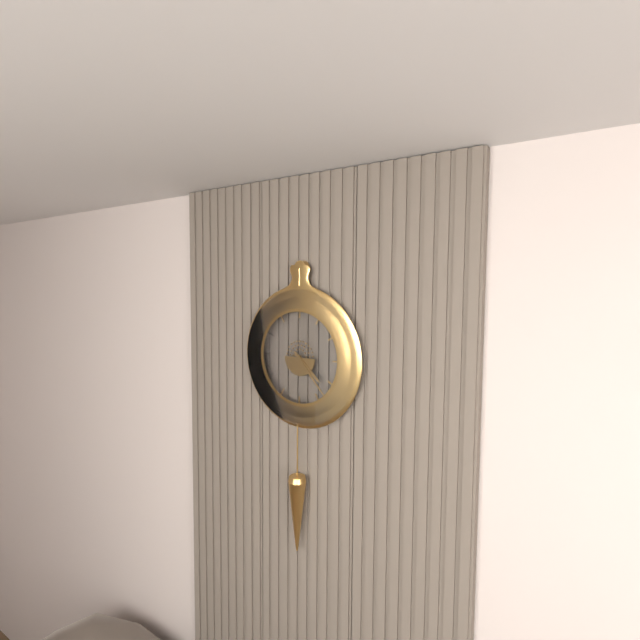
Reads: 4:23
